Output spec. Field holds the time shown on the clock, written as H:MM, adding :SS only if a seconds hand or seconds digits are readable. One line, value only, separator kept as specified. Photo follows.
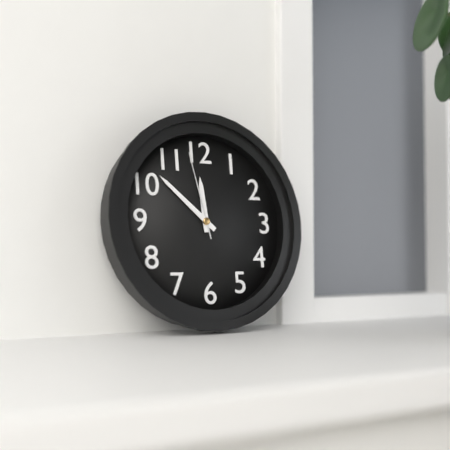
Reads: 11:52:58
